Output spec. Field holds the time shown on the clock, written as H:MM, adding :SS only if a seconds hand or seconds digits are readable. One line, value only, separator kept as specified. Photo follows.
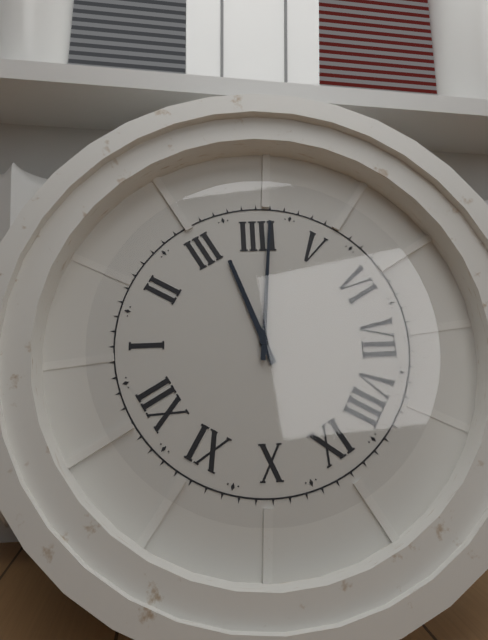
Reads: 3:21
